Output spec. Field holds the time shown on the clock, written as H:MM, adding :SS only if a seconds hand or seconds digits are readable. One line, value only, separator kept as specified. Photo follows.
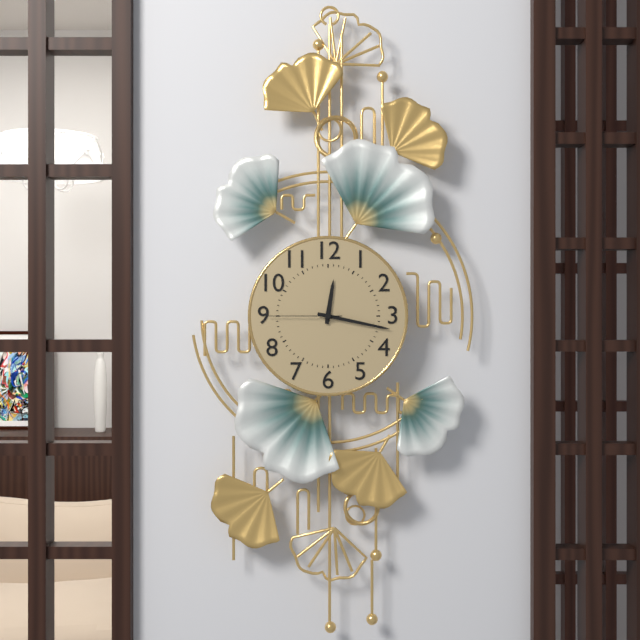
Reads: 12:17:45
